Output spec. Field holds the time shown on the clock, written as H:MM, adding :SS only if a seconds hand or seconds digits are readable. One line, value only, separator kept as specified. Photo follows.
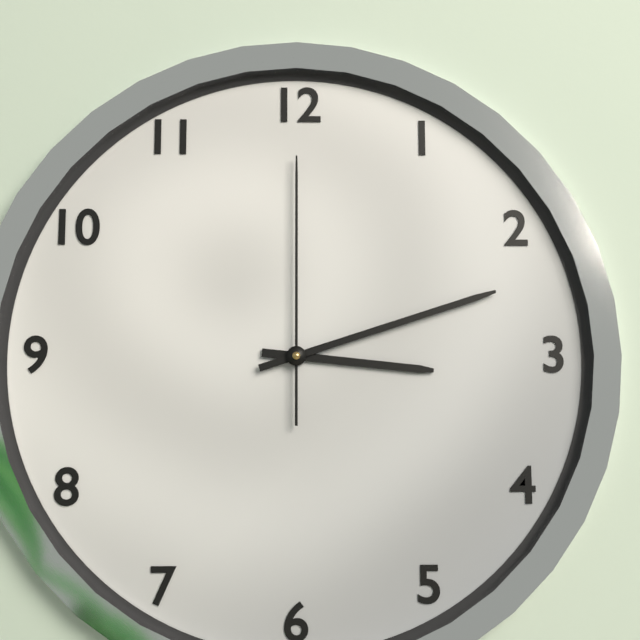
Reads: 3:12:00
